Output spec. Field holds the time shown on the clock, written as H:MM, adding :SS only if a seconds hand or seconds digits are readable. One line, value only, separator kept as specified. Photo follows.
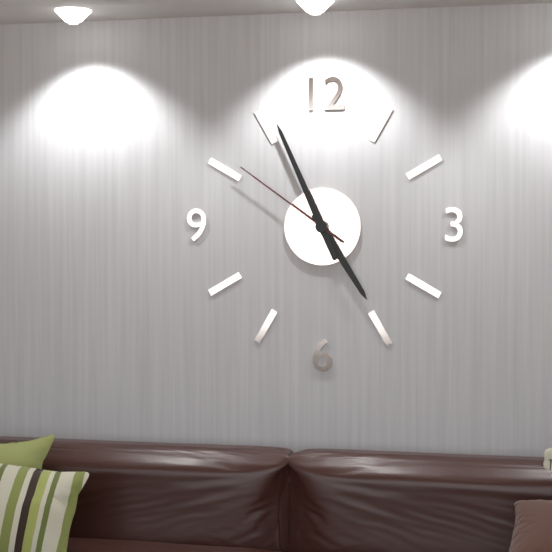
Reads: 4:56:51
